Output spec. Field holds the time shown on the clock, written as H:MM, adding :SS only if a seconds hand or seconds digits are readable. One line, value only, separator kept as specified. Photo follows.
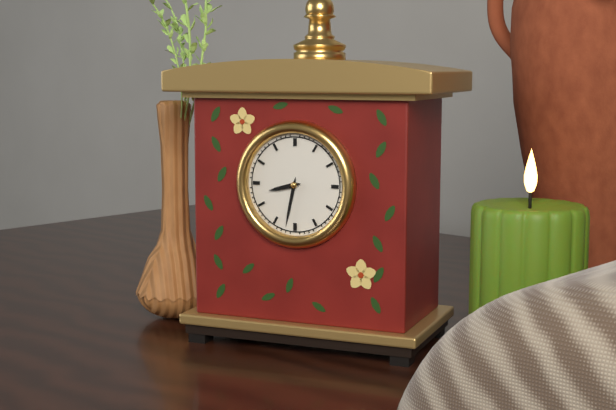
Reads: 8:32
